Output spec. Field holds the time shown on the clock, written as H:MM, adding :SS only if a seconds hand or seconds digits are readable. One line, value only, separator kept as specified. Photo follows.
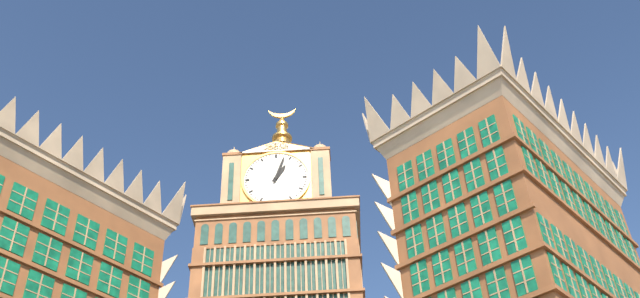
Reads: 1:03
